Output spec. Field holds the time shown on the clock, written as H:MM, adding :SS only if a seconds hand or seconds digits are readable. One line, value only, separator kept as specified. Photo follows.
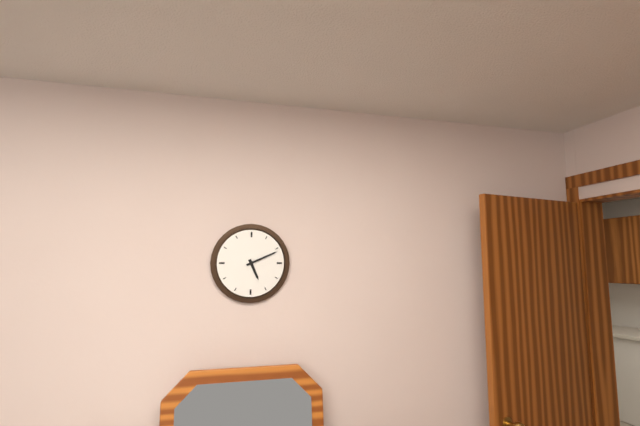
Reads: 5:11
